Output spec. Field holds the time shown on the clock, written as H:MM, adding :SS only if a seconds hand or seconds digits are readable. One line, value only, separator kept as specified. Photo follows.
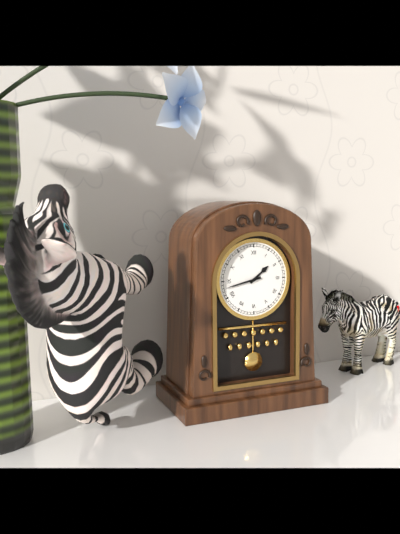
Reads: 1:43
